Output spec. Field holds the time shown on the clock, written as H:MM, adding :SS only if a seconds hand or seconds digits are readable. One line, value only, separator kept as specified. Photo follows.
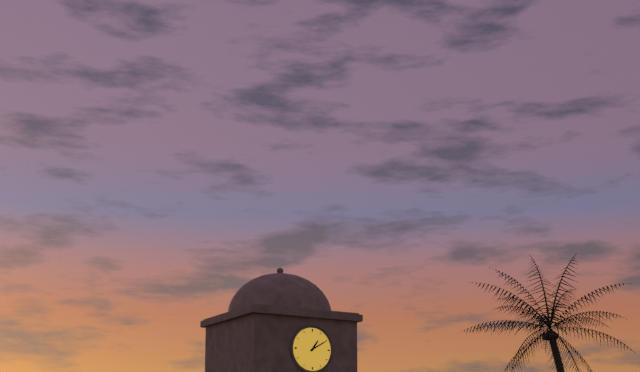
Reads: 1:10
